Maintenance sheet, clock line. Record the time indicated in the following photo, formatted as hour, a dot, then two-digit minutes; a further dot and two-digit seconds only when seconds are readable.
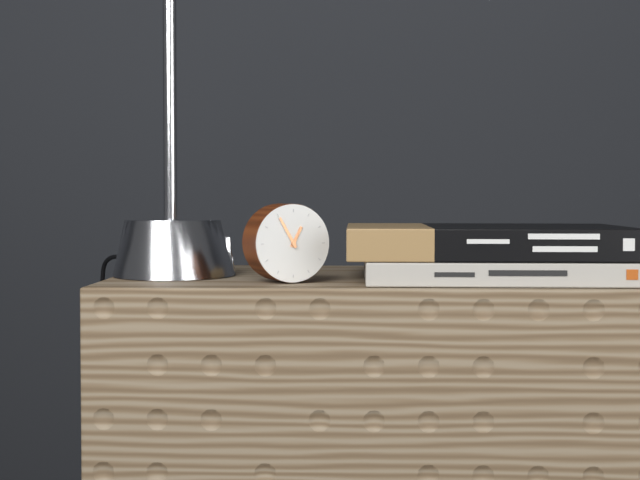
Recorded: 12.55
